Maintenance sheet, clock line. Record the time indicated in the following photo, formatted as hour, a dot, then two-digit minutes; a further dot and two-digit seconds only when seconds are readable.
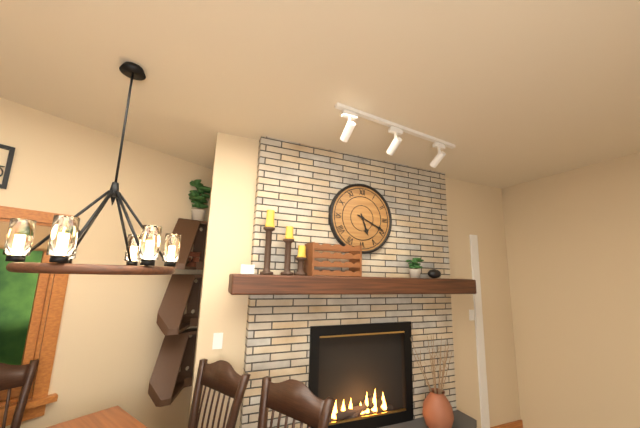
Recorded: 5.19
